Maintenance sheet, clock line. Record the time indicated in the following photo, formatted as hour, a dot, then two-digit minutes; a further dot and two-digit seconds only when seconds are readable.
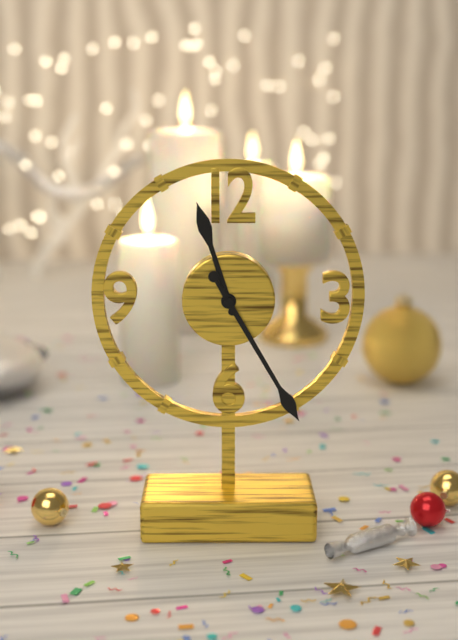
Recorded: 11.25
